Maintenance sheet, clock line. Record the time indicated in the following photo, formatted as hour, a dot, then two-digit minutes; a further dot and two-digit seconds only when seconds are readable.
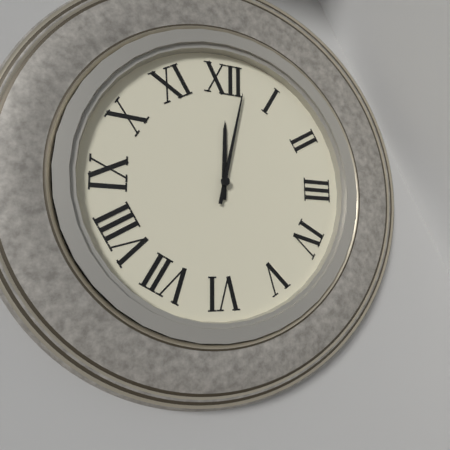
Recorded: 12.02
